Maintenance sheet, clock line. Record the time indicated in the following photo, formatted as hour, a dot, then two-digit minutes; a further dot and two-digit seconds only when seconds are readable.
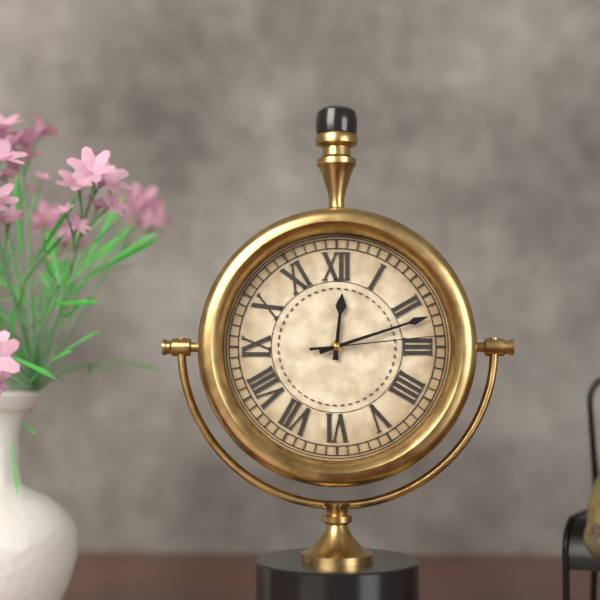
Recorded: 12.12.14
